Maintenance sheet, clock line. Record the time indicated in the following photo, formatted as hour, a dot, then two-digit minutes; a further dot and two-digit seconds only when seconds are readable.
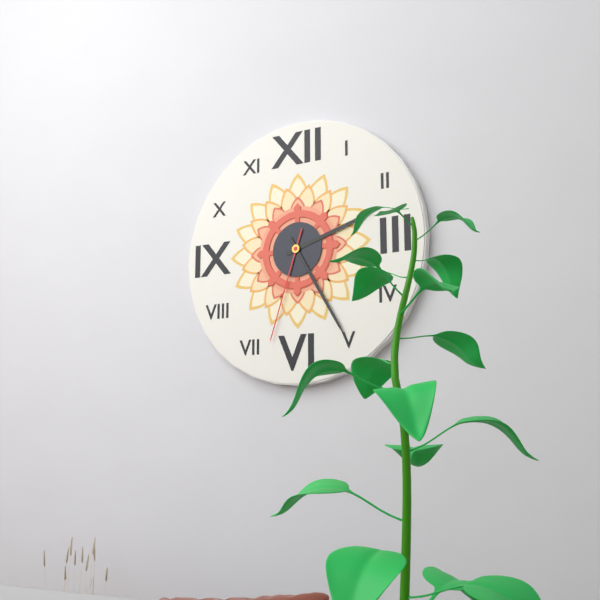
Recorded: 2.25.33
